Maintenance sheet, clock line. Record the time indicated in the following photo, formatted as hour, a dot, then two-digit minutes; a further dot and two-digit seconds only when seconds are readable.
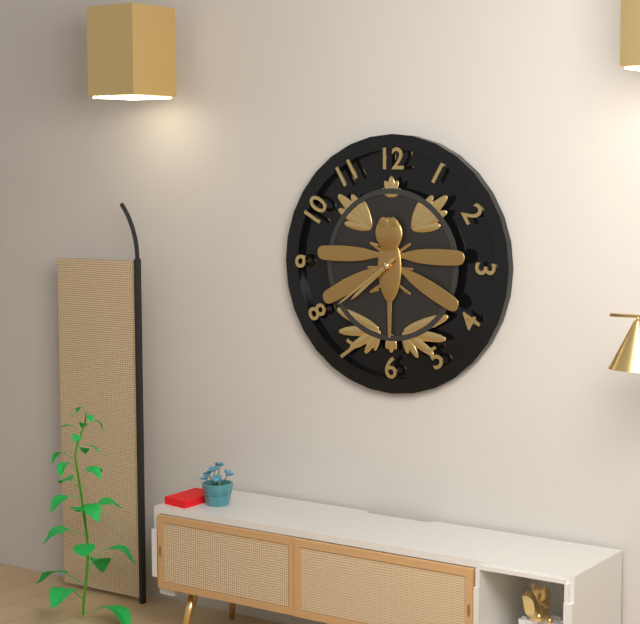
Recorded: 7.39
